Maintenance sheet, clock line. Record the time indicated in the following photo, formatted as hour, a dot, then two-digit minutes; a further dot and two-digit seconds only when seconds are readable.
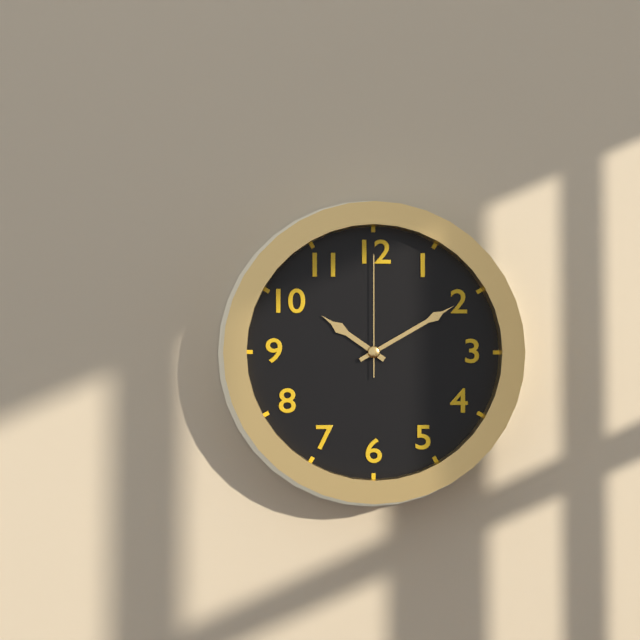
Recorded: 10.10.00
